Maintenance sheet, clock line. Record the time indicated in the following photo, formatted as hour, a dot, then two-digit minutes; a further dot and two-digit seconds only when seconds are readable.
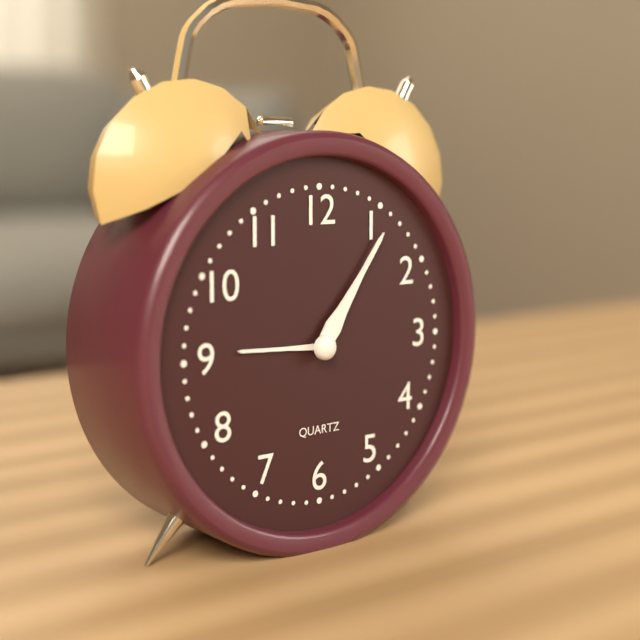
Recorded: 9.06
